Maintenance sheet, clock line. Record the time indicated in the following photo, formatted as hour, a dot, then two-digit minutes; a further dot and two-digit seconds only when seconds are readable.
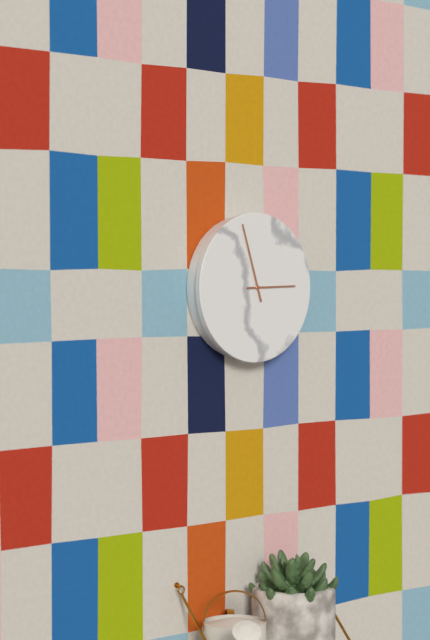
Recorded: 2.57
